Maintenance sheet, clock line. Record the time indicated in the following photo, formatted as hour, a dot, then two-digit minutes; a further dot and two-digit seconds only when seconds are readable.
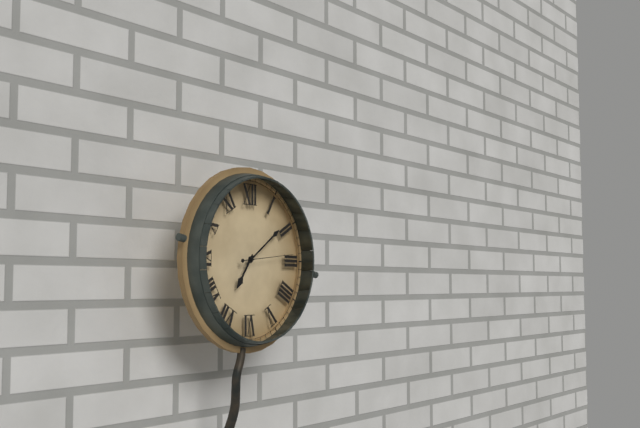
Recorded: 7.09.14
